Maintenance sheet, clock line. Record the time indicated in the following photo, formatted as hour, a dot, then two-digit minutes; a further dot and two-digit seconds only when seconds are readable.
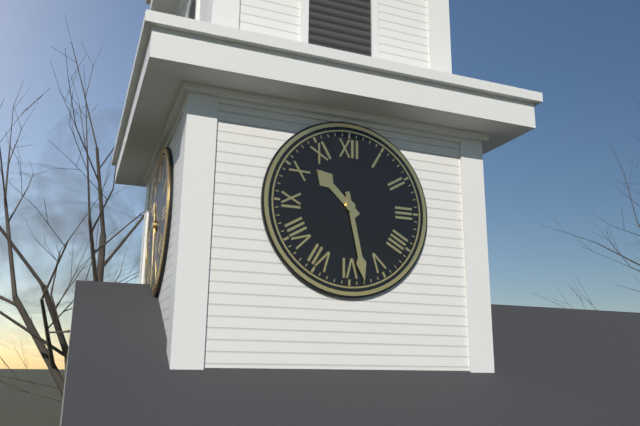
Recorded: 10.28
